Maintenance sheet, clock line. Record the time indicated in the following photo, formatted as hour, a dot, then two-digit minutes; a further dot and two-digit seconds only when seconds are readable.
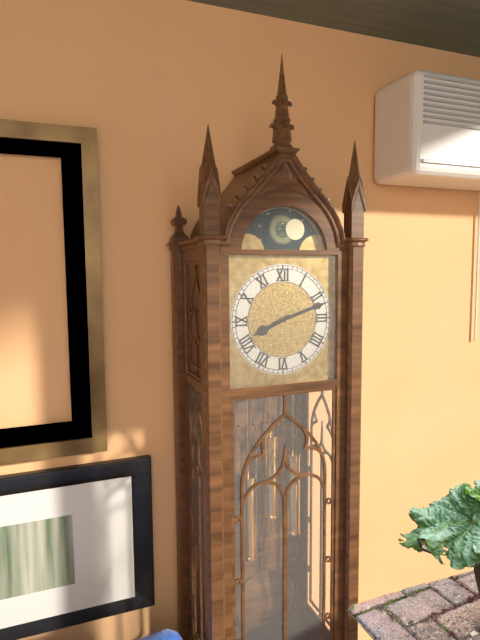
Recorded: 8.12
